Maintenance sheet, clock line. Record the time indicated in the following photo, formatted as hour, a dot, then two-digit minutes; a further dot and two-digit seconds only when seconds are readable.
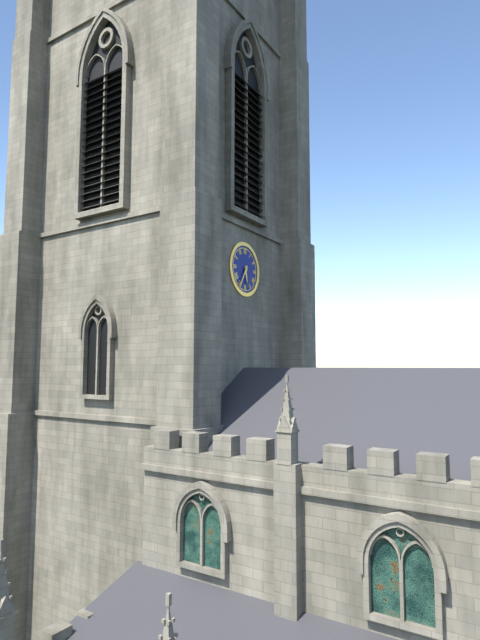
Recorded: 5.35
